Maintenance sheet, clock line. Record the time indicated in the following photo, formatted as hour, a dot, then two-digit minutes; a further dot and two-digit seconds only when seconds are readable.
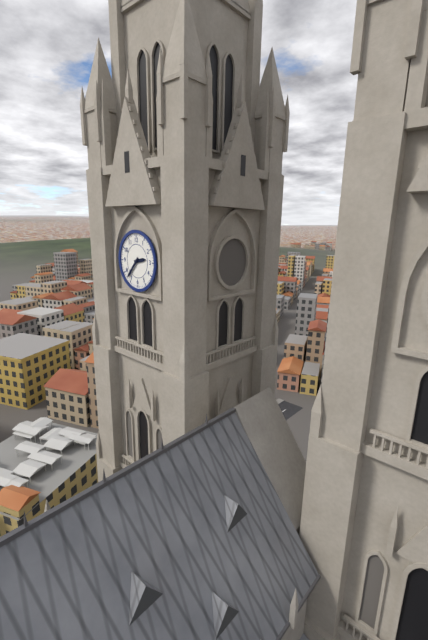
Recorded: 2.37
